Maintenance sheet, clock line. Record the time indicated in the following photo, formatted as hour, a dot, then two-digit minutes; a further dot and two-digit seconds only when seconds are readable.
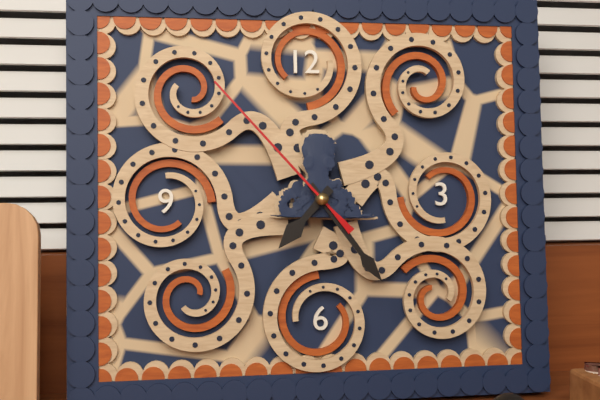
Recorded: 7.24.53
